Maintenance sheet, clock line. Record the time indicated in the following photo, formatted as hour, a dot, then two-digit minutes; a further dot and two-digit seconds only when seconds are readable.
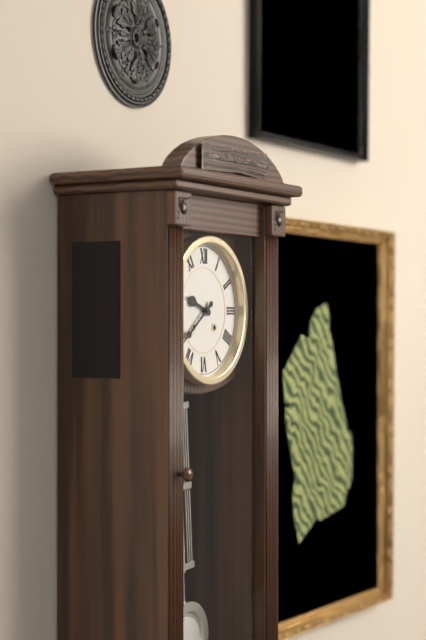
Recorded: 9.39
